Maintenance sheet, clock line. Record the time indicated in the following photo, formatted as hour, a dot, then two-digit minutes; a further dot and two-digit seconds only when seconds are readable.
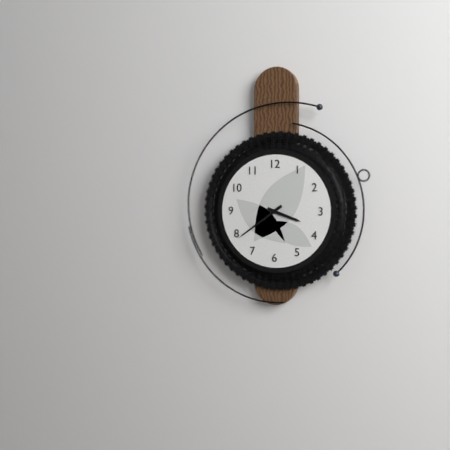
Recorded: 3.39
